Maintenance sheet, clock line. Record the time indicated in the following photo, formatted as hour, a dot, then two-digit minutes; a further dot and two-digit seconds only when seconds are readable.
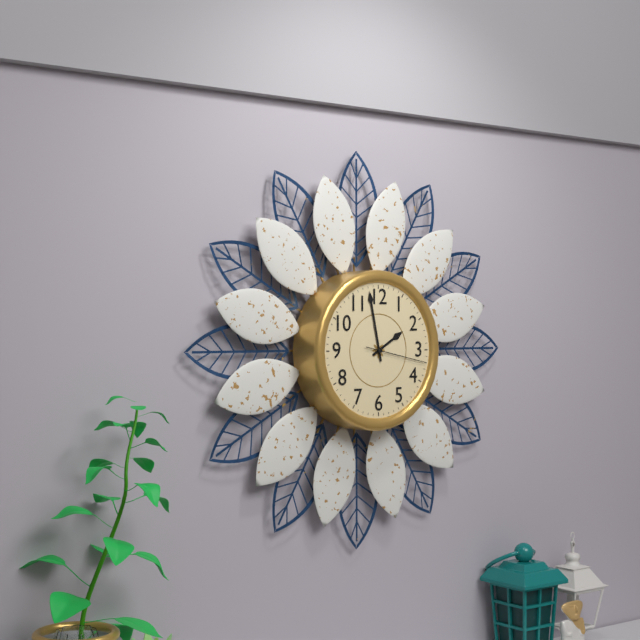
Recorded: 1.58.17
